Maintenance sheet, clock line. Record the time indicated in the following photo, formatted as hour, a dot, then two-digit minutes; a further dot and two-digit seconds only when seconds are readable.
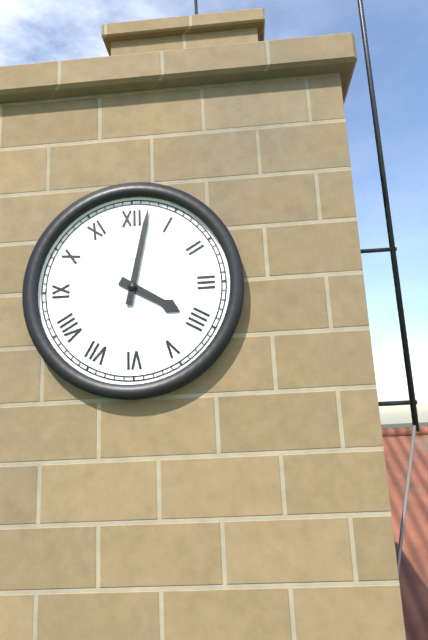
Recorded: 4.02
